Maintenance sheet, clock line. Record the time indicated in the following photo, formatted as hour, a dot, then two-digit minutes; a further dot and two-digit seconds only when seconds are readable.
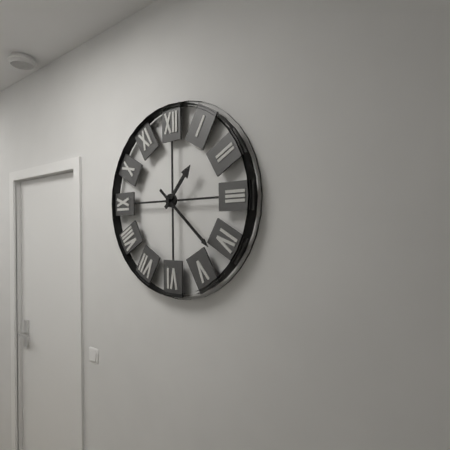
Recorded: 1.22
